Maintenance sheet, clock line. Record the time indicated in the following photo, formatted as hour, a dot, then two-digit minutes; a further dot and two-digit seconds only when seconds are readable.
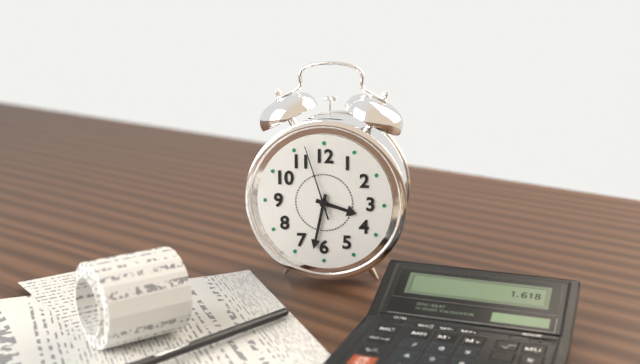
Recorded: 3.32.57
